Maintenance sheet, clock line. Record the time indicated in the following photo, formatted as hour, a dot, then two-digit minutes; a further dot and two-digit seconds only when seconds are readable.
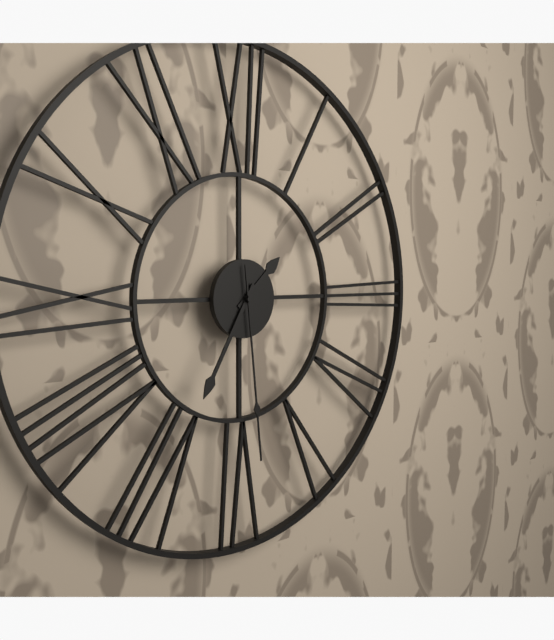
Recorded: 1.35.29
